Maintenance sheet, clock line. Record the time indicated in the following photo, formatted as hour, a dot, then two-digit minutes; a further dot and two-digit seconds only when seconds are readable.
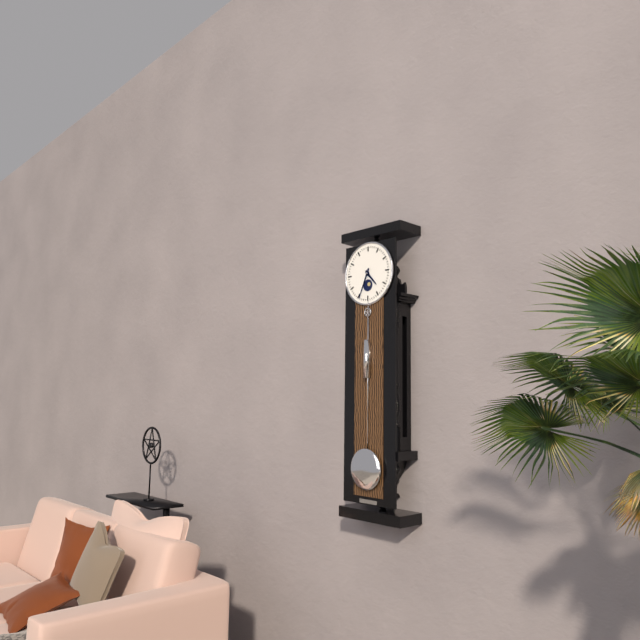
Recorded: 4.34
